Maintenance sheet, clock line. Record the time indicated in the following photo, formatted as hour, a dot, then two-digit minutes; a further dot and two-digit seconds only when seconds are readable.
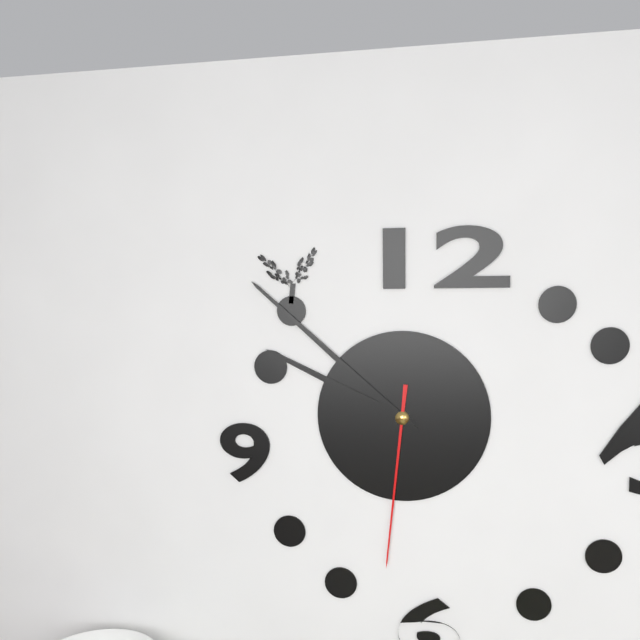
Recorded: 9.52.31
